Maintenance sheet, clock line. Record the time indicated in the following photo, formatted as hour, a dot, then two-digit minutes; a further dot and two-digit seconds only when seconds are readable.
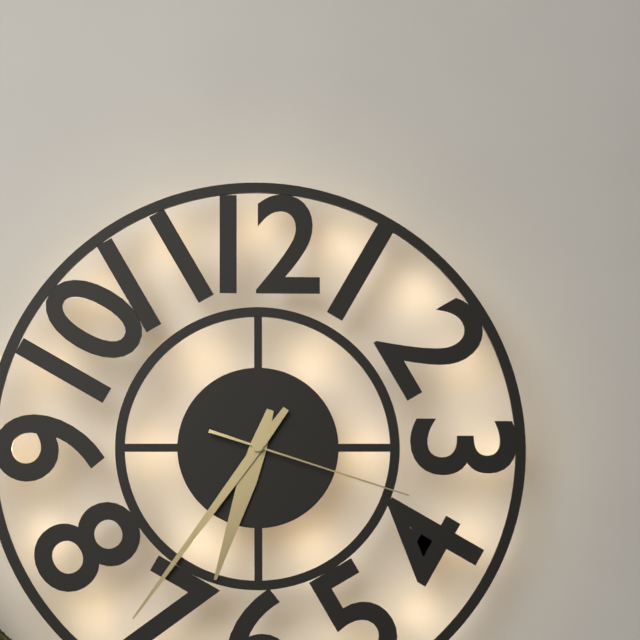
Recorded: 6.36.18
